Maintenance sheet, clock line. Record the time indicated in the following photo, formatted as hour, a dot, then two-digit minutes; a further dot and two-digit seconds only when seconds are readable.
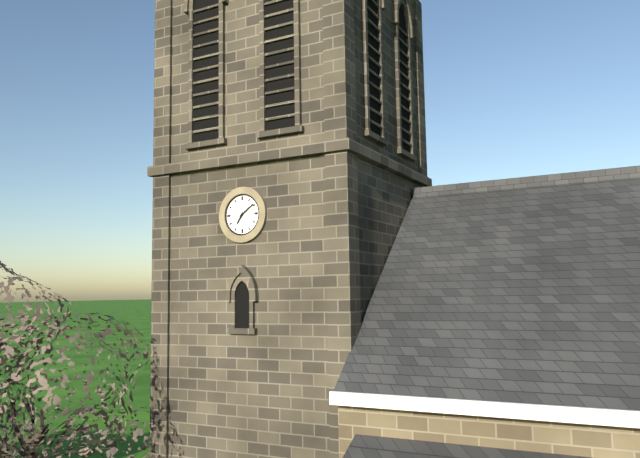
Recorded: 7.09
